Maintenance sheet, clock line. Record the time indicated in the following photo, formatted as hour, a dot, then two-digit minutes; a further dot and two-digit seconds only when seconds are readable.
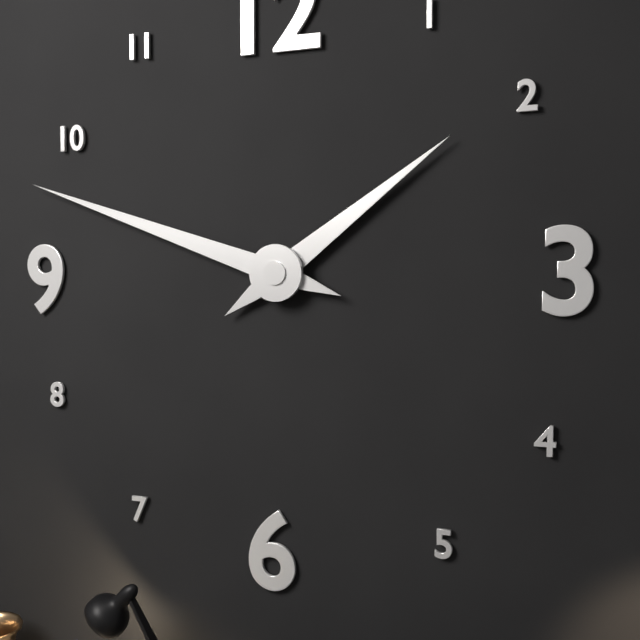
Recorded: 1.48
